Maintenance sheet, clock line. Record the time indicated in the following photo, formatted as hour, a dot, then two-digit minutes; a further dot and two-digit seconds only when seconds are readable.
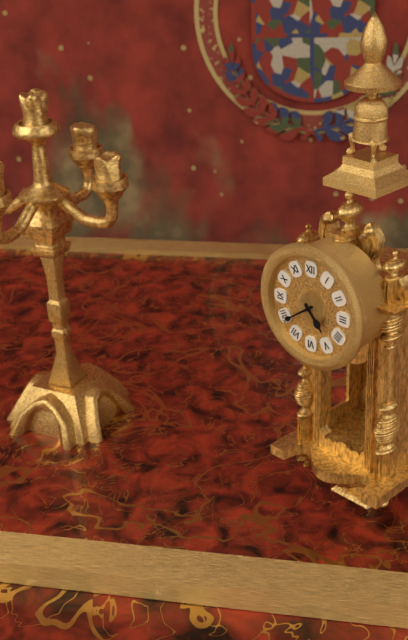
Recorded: 4.39
